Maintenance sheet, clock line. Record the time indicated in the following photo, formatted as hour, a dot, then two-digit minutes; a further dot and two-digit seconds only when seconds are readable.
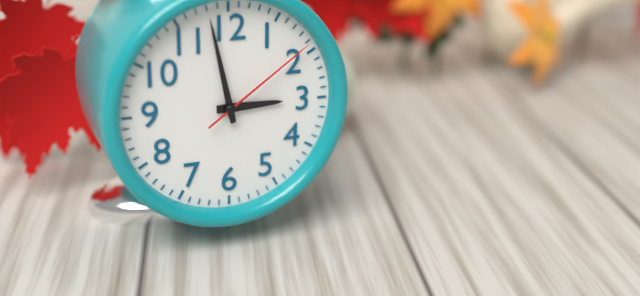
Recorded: 2.58.09
